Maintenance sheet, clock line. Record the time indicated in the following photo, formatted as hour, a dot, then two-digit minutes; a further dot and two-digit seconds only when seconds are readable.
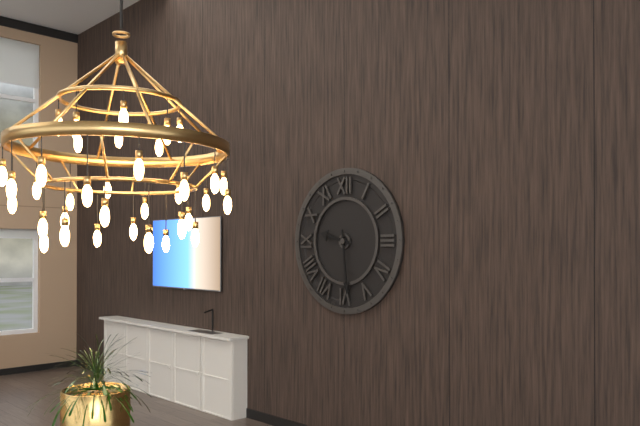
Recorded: 9.29
